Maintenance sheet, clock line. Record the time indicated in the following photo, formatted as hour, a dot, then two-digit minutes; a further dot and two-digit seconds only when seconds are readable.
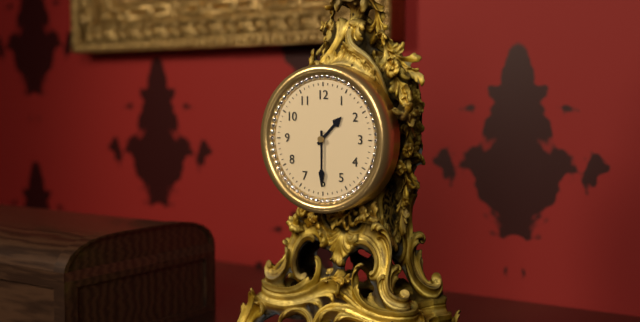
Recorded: 1.30
